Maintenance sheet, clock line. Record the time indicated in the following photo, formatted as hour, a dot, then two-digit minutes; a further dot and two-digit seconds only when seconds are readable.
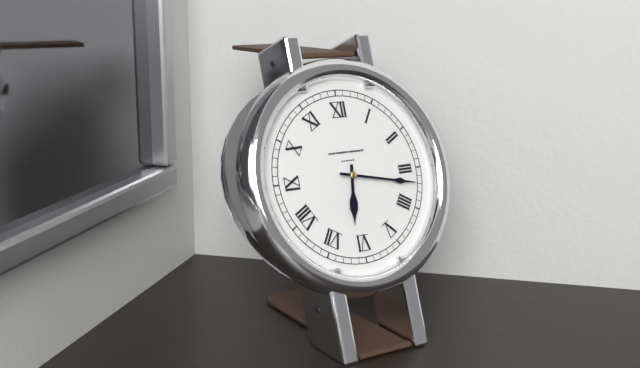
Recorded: 6.17
